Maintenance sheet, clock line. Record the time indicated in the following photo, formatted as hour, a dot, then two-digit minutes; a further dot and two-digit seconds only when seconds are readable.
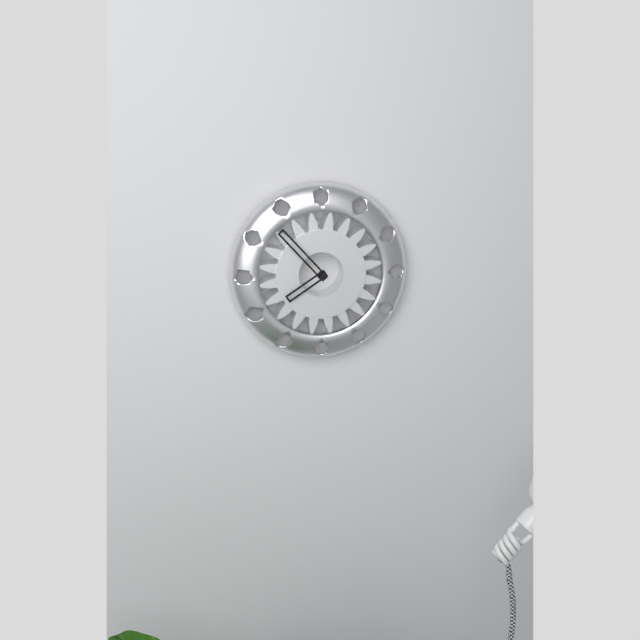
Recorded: 7.53
